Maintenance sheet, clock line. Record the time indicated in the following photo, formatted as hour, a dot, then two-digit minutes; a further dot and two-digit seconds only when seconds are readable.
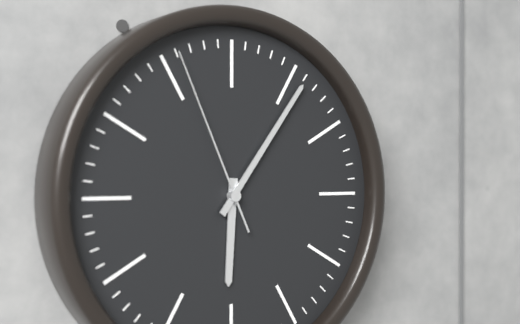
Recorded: 6.06.56
